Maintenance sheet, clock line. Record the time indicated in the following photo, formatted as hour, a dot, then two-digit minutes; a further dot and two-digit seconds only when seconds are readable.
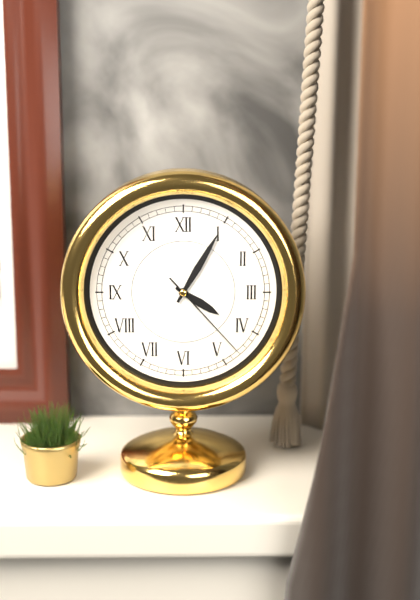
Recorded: 4.05.23
